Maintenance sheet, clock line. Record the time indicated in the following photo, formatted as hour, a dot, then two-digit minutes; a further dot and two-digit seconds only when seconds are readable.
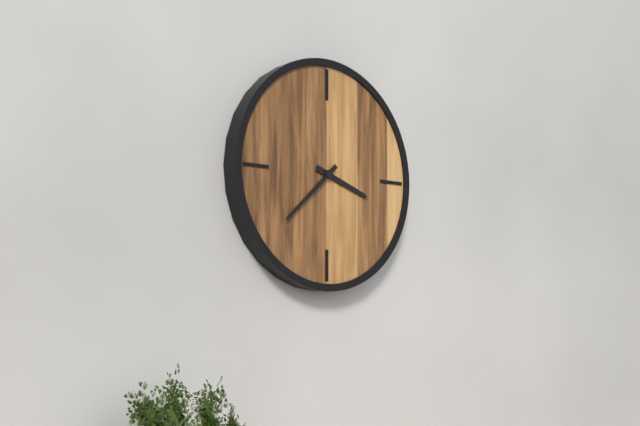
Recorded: 3.38
